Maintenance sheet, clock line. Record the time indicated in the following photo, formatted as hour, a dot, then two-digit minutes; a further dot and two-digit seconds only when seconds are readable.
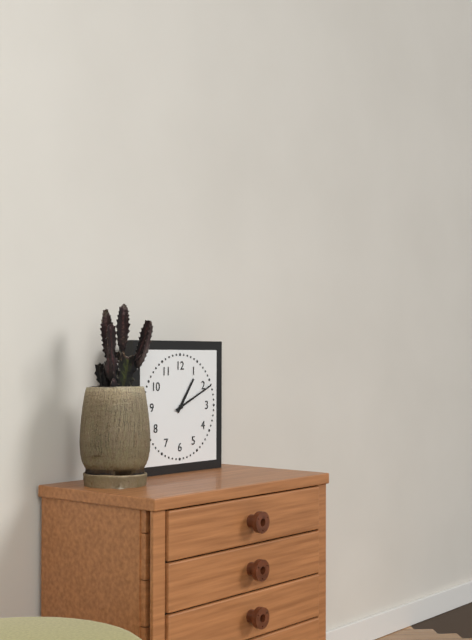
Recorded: 1.11
